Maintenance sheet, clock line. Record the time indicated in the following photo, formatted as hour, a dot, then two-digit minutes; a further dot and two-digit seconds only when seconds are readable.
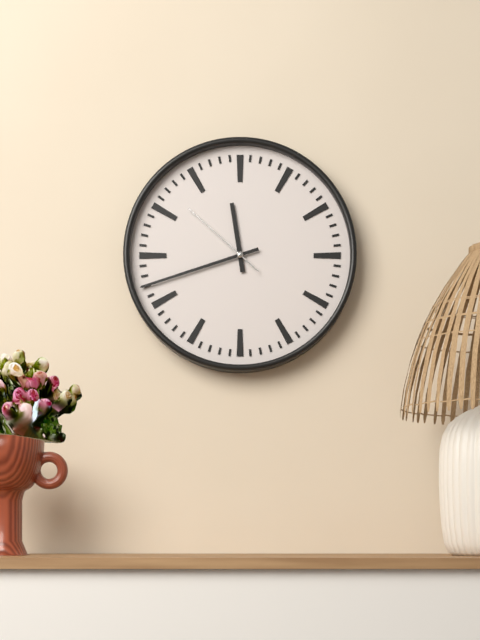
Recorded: 11.42.52
